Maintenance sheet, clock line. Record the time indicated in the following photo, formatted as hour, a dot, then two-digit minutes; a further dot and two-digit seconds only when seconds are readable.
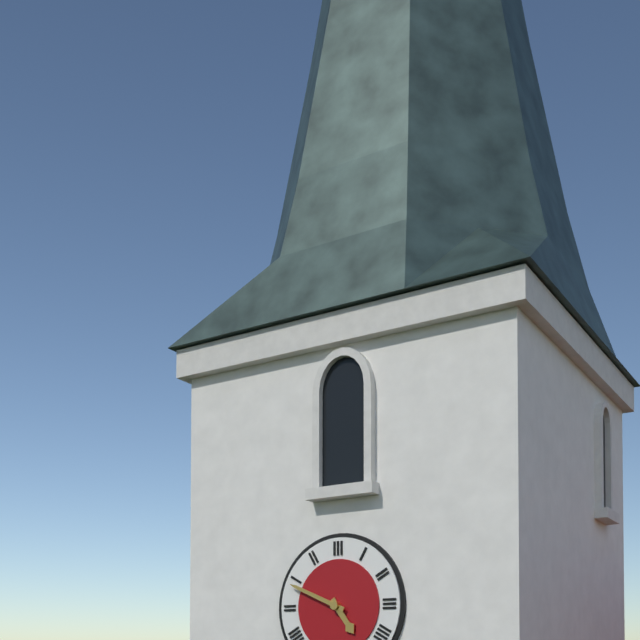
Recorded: 4.49
